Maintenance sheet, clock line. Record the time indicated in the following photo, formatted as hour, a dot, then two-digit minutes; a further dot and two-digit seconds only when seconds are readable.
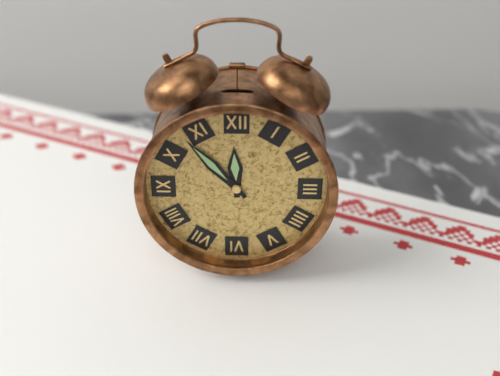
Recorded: 11.53
